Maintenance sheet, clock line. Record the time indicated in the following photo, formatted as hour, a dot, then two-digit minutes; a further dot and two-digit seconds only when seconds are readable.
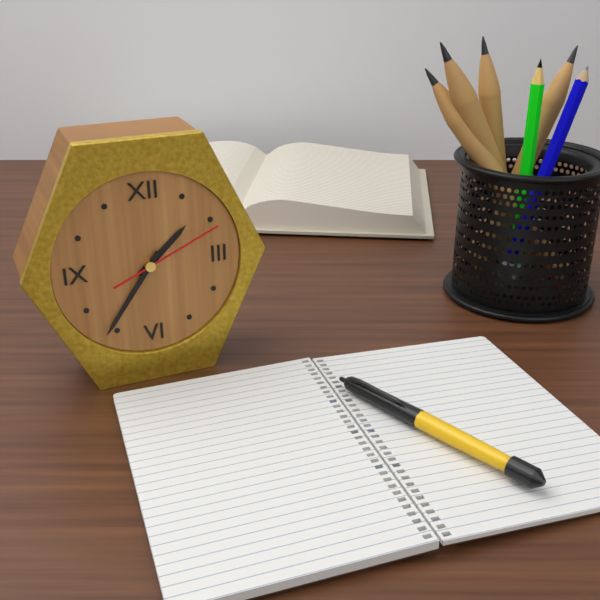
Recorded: 1.36.11
